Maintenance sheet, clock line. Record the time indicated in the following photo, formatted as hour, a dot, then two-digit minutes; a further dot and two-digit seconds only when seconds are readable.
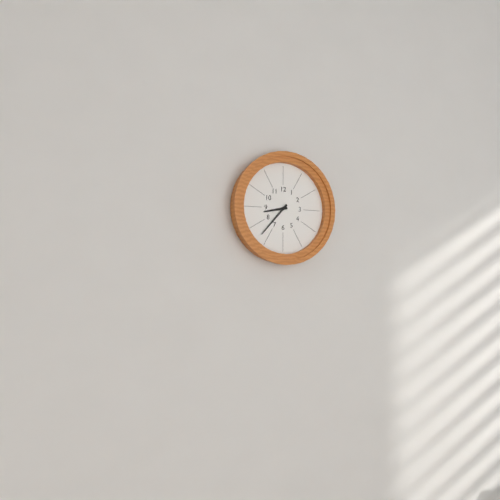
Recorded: 8.37
